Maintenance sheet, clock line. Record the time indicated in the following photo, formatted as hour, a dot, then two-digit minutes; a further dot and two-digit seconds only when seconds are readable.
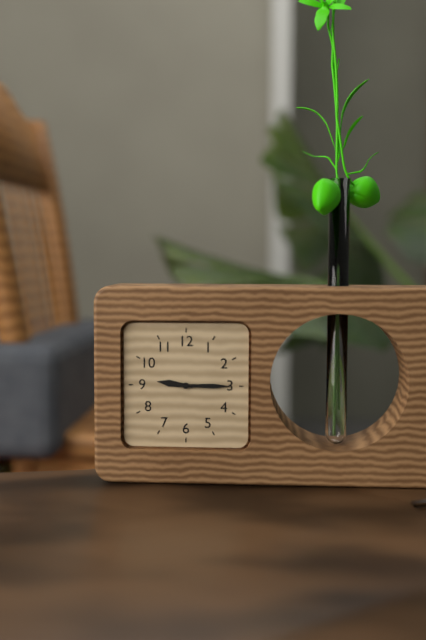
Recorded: 9.15
